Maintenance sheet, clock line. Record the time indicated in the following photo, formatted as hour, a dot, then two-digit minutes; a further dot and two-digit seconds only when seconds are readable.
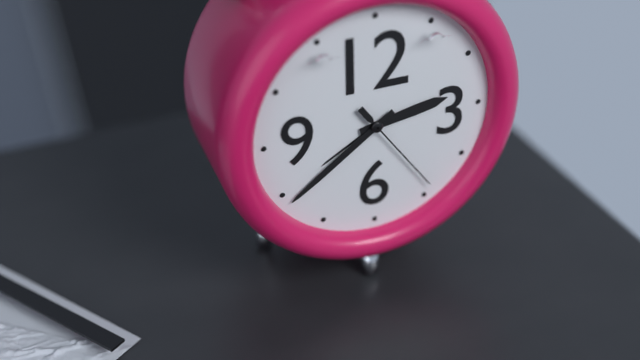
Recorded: 2.39.24
